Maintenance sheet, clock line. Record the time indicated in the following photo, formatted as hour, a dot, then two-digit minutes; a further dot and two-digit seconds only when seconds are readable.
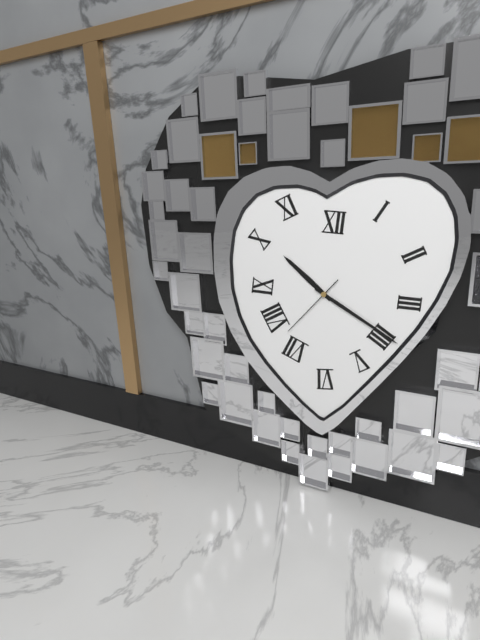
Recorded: 10.20.37
